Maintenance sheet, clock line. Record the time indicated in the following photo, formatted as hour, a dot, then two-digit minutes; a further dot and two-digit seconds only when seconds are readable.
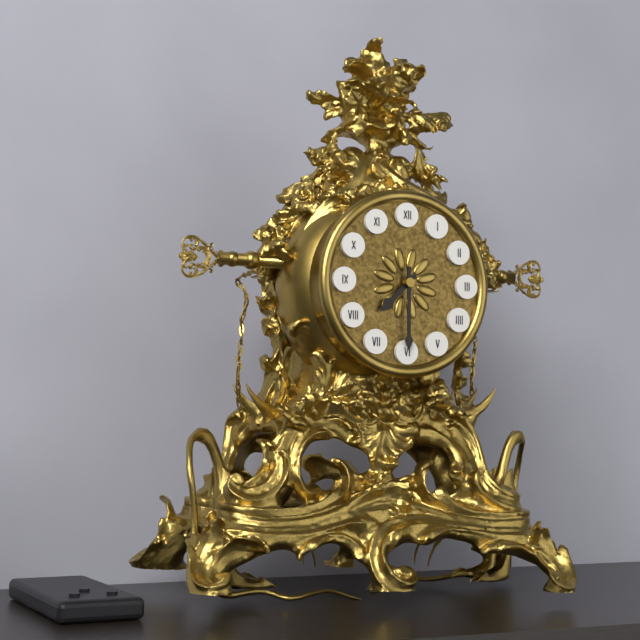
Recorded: 7.30
